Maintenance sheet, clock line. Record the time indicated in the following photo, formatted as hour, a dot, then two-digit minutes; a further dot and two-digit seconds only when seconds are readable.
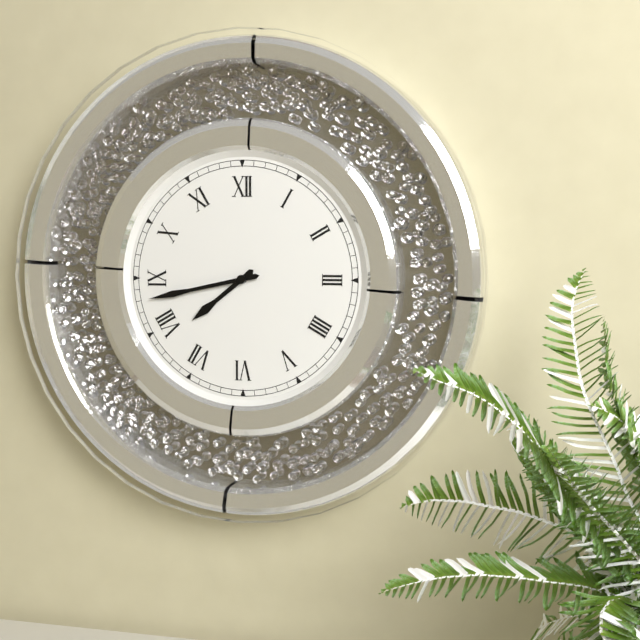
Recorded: 7.43
